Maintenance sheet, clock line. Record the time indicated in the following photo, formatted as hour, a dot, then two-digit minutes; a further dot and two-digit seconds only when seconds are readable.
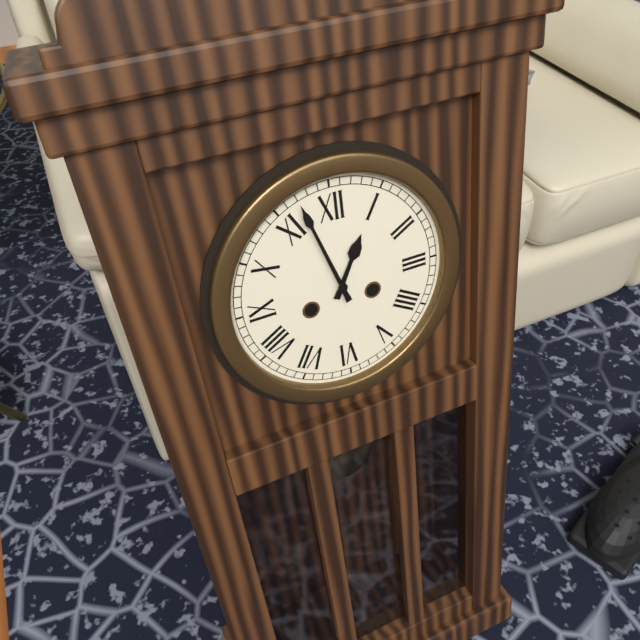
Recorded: 12.57
